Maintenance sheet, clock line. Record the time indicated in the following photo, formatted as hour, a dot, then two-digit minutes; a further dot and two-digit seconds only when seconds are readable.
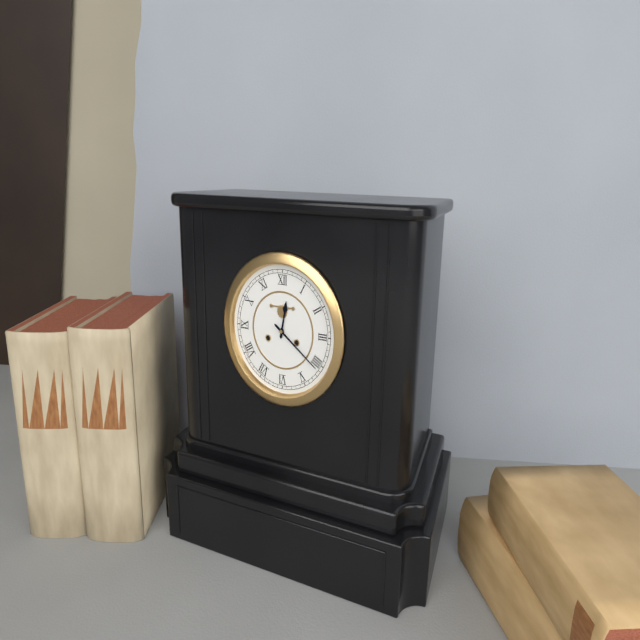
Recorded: 12.21
